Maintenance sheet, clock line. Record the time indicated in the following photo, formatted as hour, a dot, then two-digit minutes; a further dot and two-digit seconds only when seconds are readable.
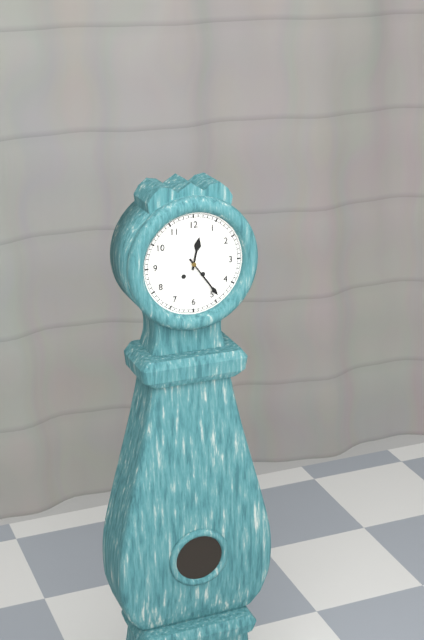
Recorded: 12.24
